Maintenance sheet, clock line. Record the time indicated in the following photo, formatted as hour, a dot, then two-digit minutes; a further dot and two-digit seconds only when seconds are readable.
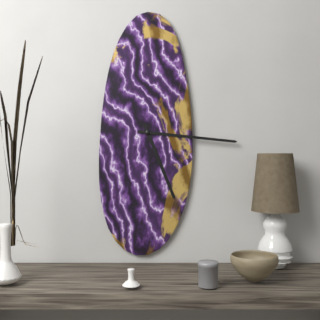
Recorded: 5.16
